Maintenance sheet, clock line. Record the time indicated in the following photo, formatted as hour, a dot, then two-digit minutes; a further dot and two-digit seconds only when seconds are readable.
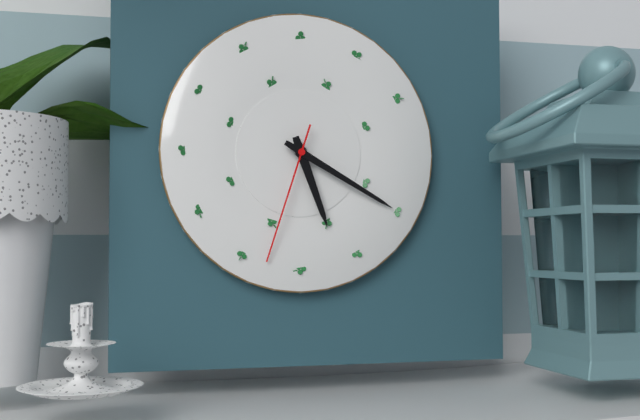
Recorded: 5.20.33
